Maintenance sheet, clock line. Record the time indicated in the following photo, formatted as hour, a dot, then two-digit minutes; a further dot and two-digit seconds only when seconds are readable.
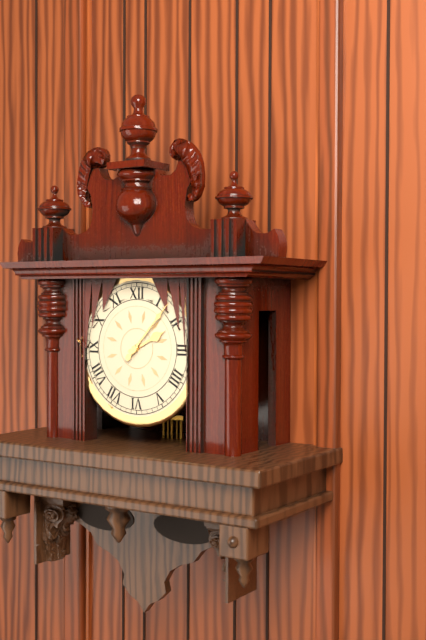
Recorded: 2.07
